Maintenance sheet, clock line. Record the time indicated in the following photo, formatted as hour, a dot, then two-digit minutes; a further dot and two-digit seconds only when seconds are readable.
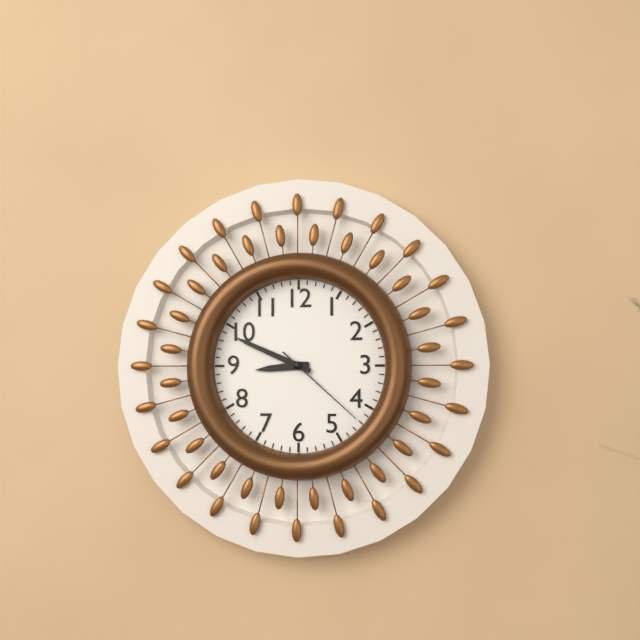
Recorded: 8.49.22
